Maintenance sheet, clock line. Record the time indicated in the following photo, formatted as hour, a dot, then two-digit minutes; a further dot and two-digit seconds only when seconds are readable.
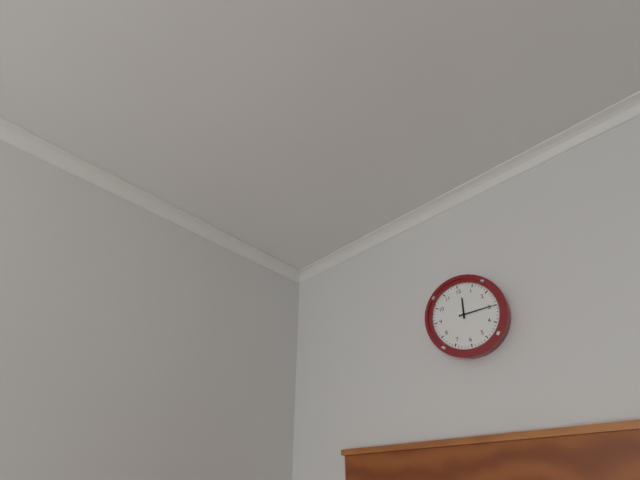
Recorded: 12.15
